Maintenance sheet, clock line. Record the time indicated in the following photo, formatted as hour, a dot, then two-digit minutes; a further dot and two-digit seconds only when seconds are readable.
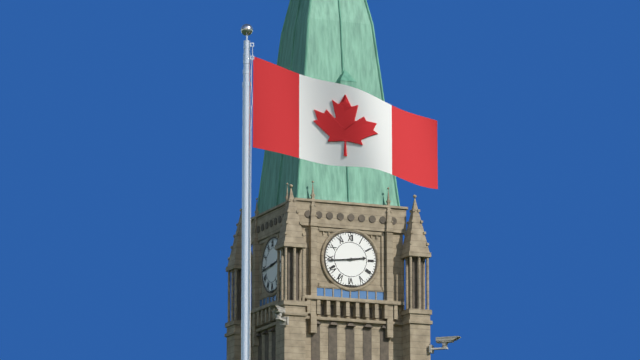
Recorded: 2.44
